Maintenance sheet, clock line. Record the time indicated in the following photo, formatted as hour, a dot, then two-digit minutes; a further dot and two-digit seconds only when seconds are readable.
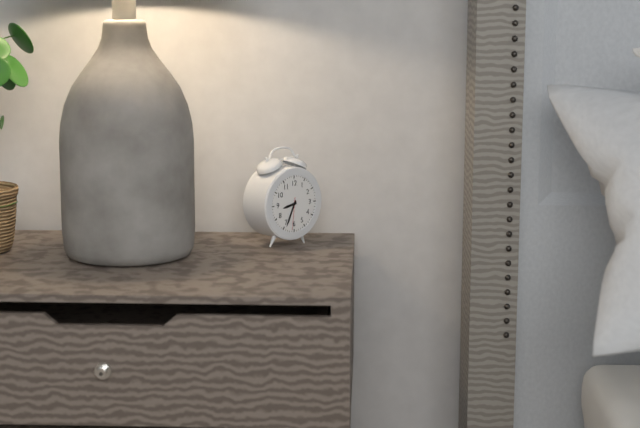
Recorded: 8.34
